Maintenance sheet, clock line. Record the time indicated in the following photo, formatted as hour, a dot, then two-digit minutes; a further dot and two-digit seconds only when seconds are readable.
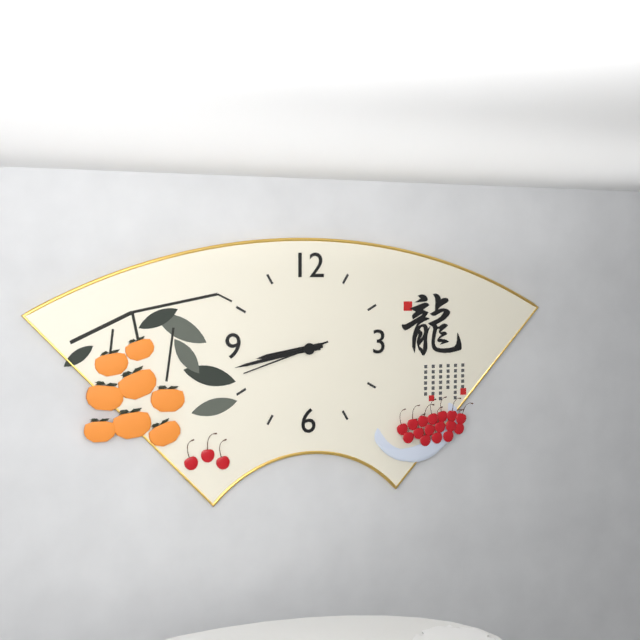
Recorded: 8.43.42
